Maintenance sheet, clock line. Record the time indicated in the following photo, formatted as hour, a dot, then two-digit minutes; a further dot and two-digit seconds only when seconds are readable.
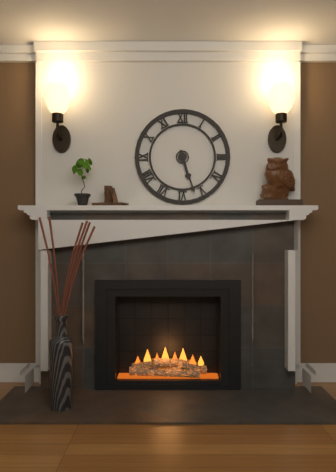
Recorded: 5.27
